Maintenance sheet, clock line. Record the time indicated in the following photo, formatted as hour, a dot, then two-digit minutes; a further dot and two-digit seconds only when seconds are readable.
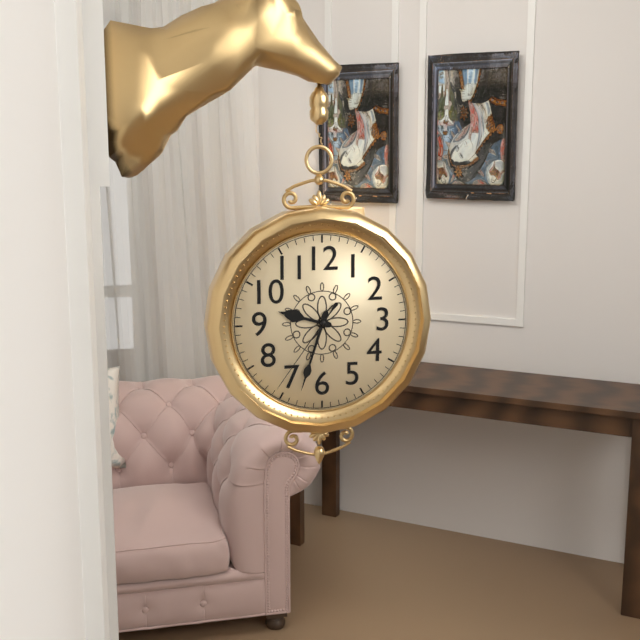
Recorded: 9.33.36
